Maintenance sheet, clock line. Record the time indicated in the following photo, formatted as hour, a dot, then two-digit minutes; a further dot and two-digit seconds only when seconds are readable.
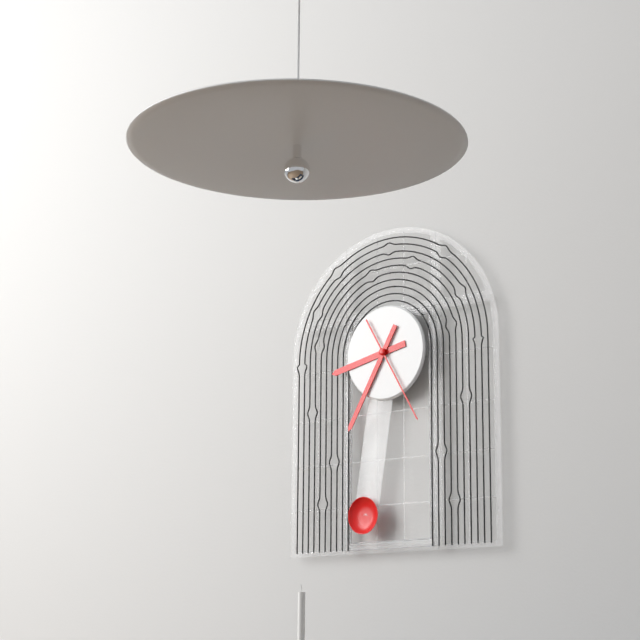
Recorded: 8.35.25
